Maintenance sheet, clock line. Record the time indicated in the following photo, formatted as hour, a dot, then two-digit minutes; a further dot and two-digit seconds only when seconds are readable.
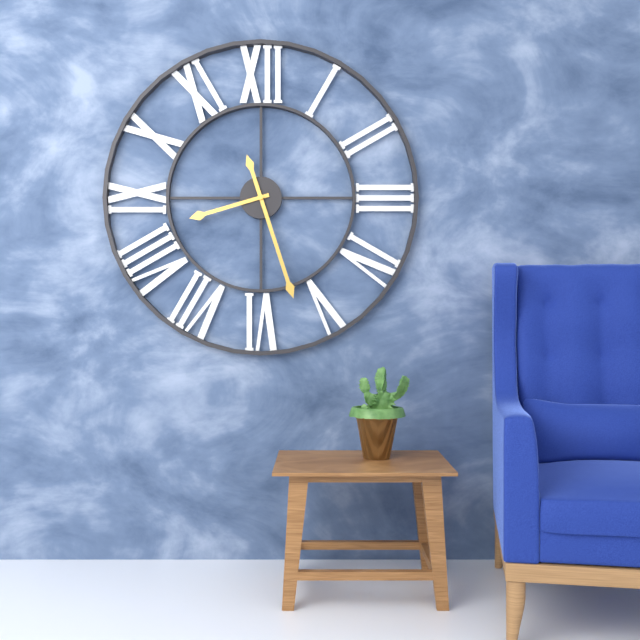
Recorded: 8.27
